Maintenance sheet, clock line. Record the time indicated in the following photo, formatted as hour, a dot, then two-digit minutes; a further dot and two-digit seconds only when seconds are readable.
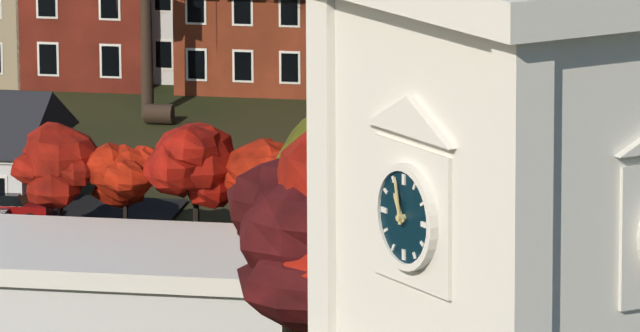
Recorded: 10.58
